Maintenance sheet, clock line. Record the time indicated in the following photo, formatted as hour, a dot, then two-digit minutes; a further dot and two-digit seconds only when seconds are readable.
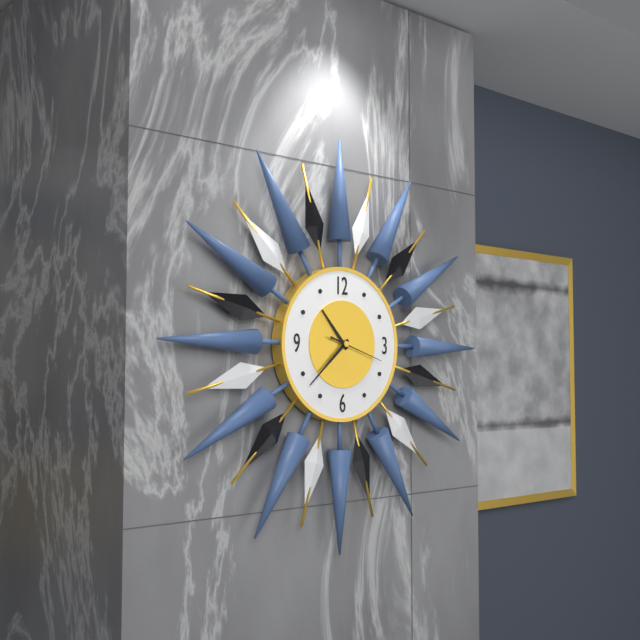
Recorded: 10.38
